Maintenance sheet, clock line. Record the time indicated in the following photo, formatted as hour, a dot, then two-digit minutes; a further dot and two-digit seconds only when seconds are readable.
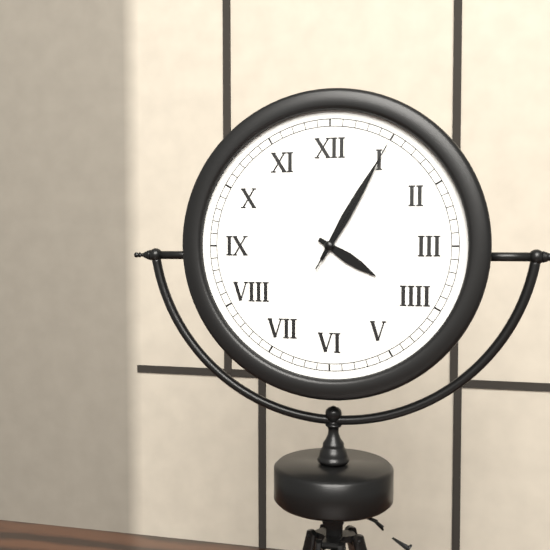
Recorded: 4.05.05
